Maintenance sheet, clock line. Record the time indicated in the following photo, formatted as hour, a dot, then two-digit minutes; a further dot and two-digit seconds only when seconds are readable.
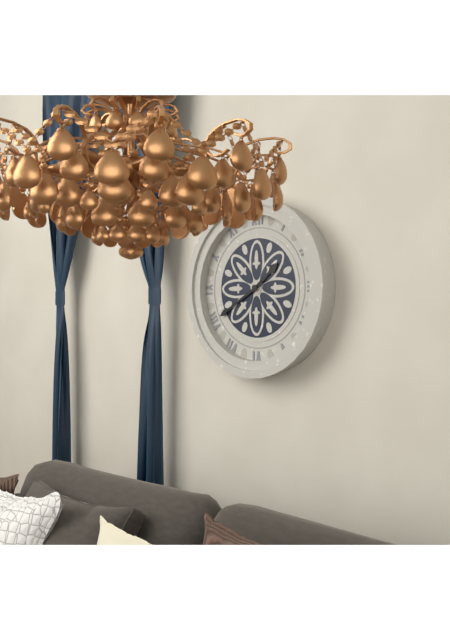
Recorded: 1.40
